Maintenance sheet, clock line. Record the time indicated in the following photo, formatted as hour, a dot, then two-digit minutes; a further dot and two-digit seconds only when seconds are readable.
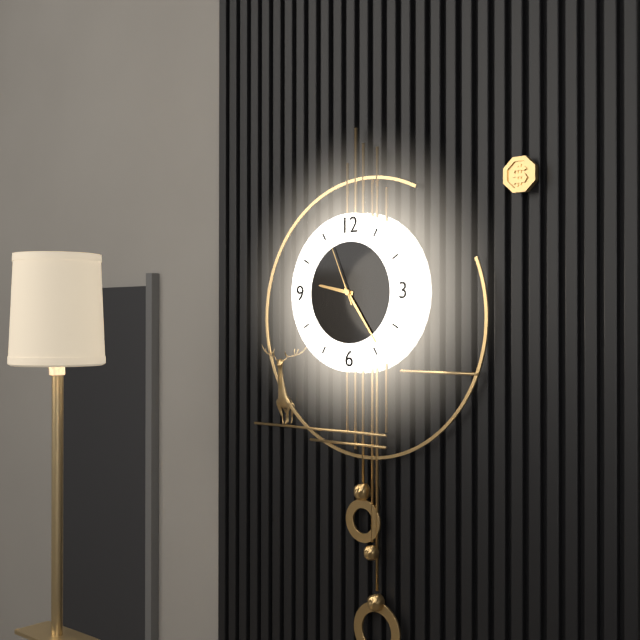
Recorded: 9.24.56
